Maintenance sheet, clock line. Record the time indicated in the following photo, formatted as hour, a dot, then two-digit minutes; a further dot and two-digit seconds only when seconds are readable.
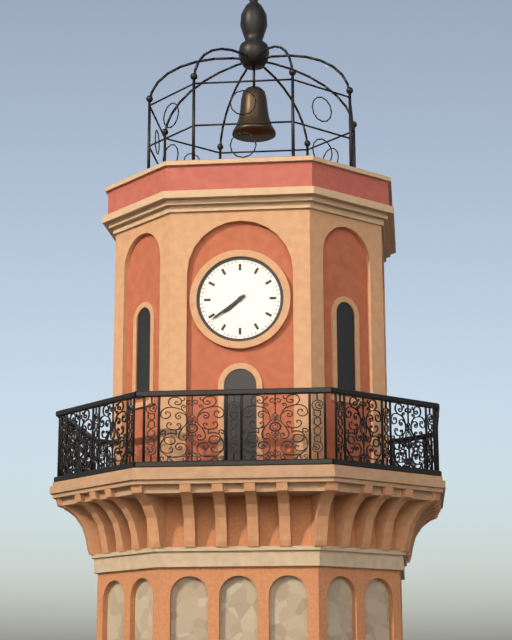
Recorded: 7.39
